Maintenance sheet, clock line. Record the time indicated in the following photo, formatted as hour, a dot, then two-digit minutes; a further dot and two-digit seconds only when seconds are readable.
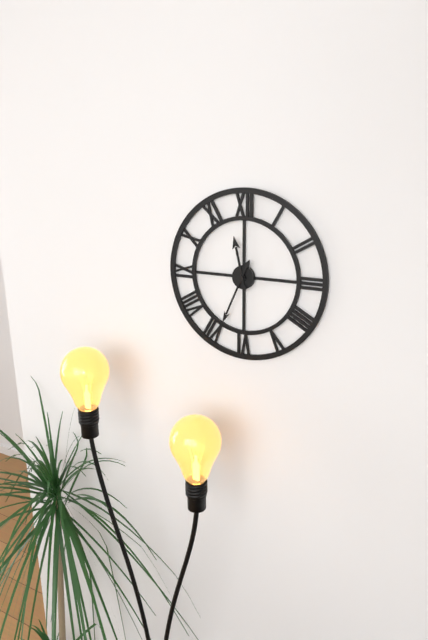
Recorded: 11.34
